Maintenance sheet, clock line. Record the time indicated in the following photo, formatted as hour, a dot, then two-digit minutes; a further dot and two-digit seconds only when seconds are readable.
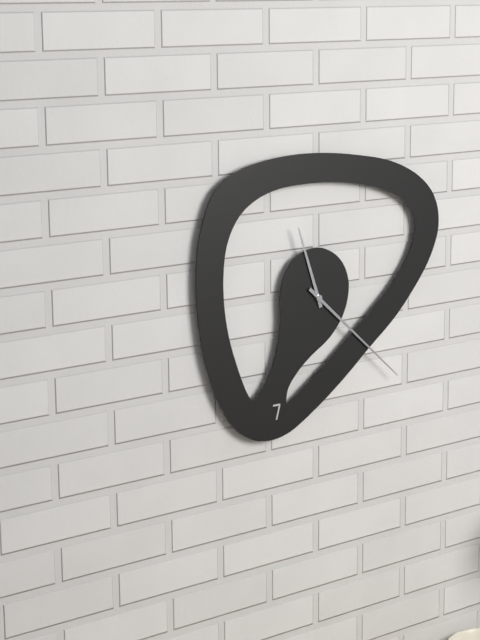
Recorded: 11.22
